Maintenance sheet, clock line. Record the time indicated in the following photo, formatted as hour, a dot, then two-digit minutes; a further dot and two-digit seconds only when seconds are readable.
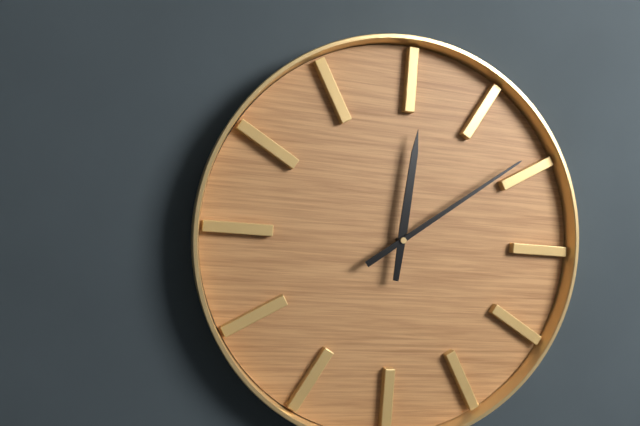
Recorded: 12.09
